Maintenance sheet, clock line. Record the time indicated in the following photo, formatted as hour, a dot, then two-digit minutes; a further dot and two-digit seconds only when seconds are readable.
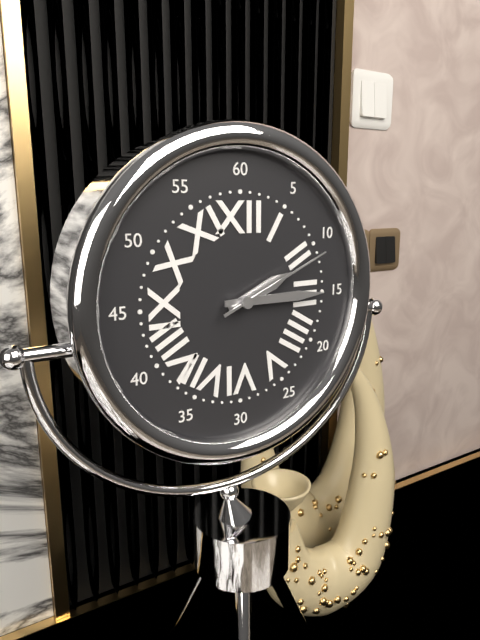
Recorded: 2.15.11
